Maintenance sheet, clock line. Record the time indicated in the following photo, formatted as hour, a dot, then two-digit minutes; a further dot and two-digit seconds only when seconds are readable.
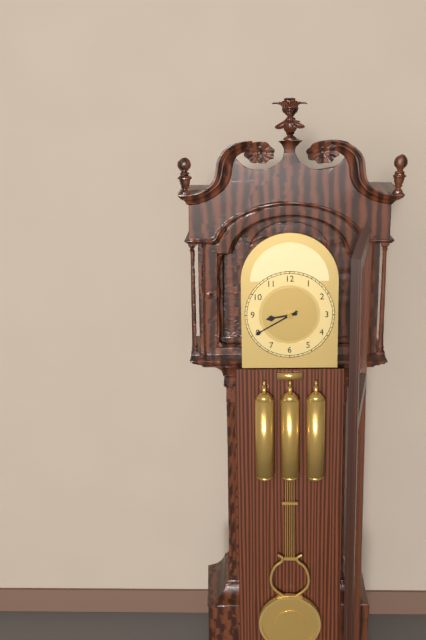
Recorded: 8.40
